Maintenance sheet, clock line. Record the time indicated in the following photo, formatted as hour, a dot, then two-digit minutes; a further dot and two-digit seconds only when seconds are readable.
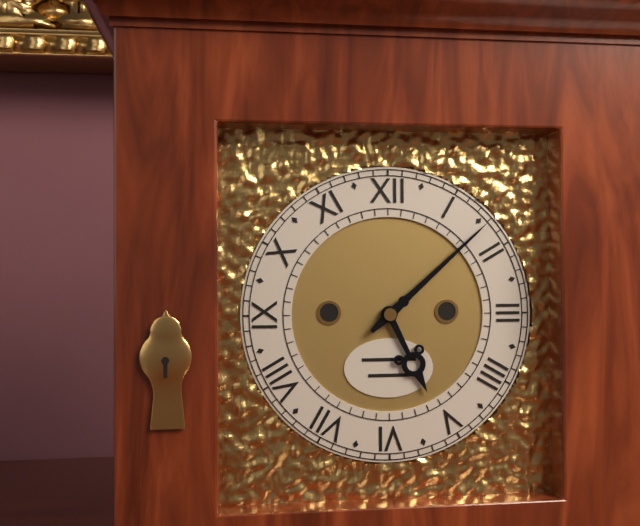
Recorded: 5.08
